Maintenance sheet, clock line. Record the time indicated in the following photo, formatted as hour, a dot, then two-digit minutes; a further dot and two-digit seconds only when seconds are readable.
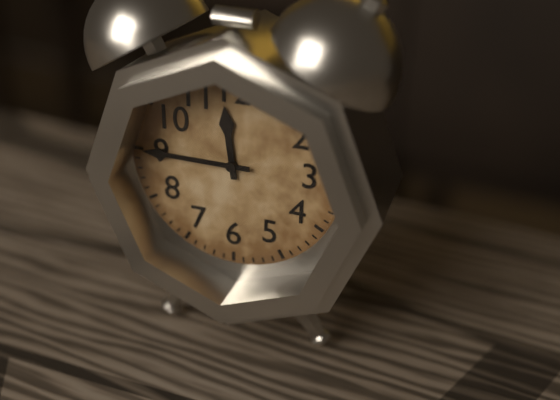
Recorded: 11.45
